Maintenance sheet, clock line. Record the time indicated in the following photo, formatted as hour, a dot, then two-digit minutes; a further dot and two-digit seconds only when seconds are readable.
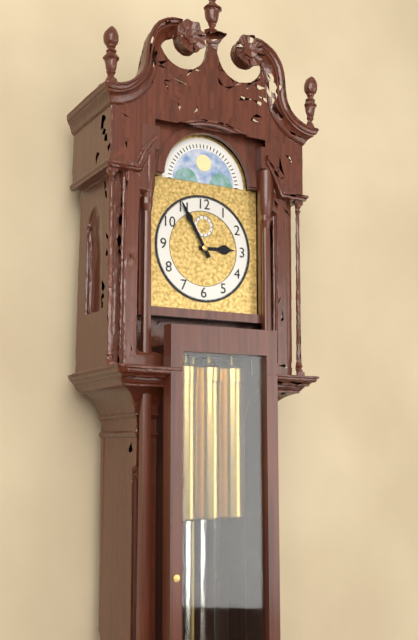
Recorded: 2.55
